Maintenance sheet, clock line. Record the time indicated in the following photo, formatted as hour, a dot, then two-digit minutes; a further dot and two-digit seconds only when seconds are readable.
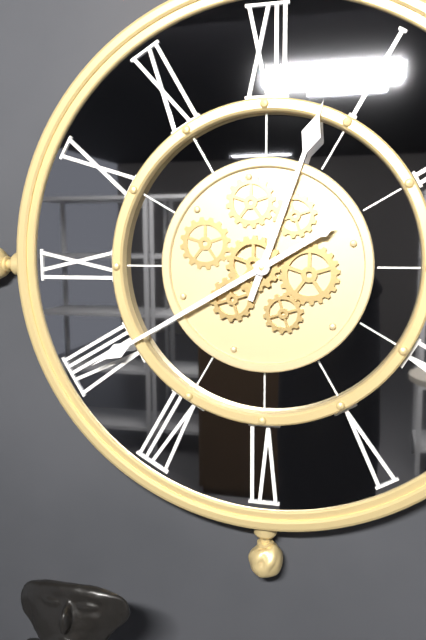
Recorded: 12.40
